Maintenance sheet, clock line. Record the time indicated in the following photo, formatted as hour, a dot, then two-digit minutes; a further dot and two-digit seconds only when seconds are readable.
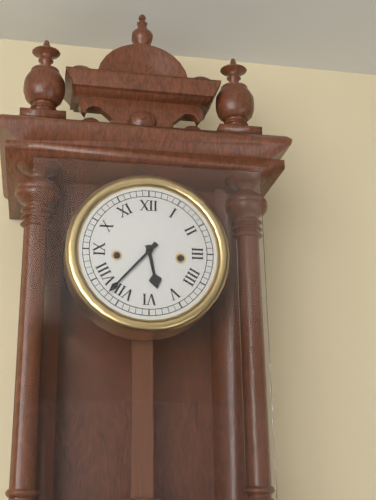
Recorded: 5.37
